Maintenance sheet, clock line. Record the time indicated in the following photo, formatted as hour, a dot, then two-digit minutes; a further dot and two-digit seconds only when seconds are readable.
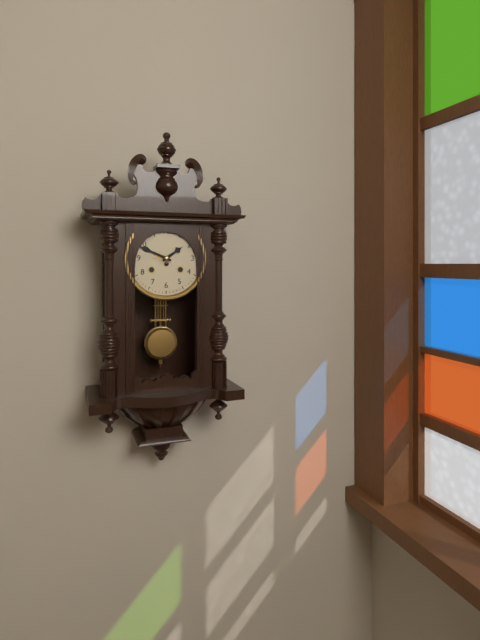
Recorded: 1.49
